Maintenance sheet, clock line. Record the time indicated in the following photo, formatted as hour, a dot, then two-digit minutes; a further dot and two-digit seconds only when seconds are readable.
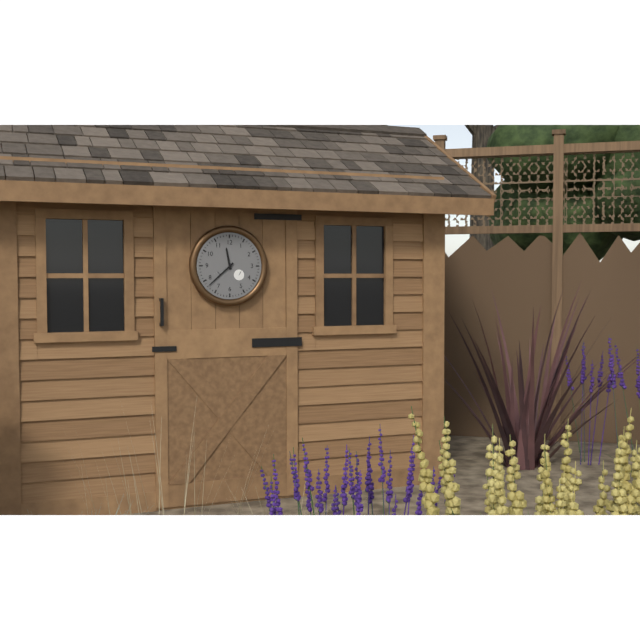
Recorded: 11.38
